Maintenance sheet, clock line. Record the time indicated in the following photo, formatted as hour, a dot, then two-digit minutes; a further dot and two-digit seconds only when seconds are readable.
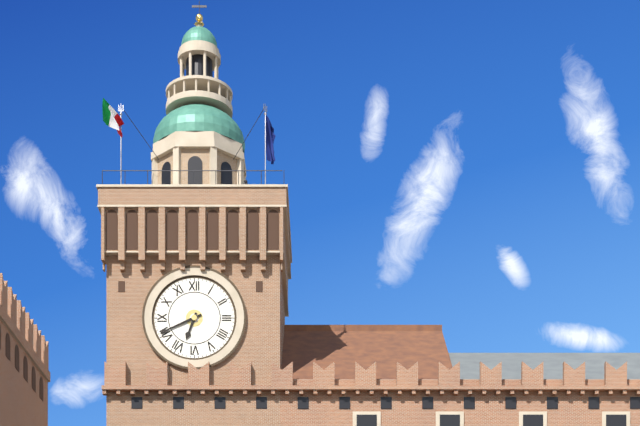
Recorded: 6.41
